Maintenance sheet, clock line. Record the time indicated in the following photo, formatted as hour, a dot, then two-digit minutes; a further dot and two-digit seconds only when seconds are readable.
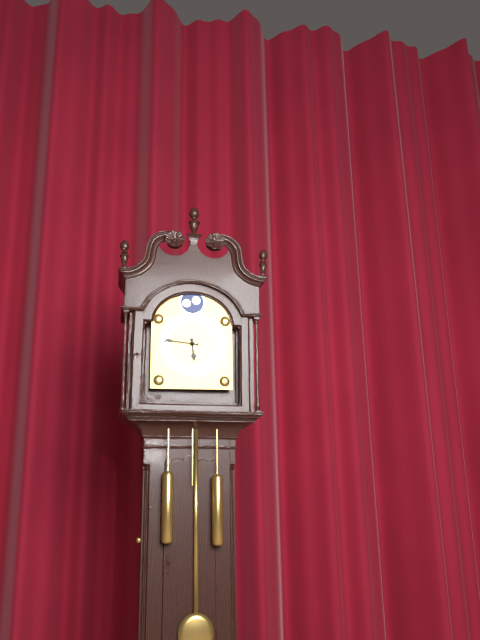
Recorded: 5.46
